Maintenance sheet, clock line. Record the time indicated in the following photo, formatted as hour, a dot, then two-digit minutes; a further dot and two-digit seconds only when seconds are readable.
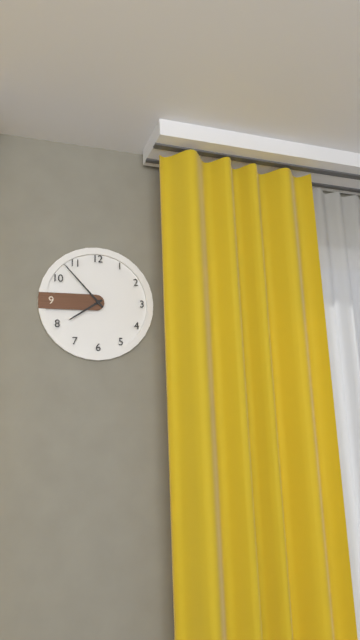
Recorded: 7.53
